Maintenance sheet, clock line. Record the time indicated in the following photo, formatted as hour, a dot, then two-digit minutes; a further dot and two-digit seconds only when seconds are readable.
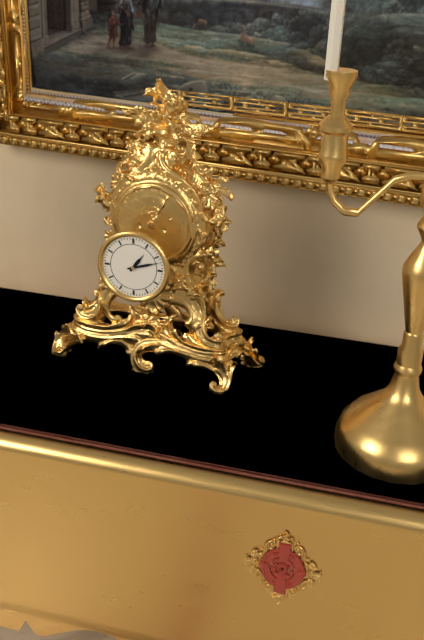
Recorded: 1.12
